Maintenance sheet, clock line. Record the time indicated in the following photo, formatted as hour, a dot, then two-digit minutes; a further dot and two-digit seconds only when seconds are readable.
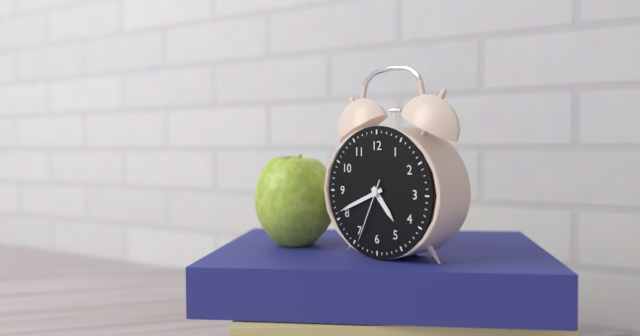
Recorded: 4.41.34
